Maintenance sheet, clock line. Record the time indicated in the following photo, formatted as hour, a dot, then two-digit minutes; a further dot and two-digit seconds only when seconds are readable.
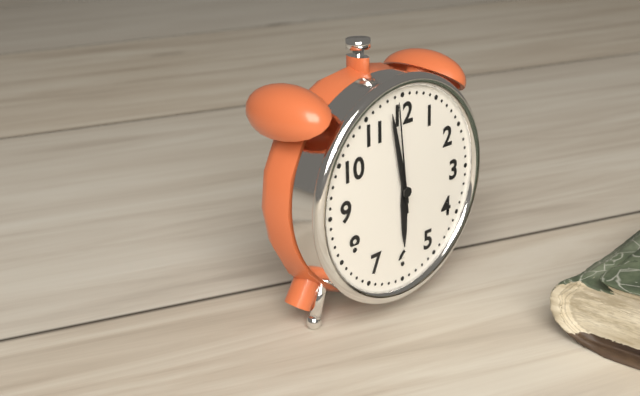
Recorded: 5.58.59
